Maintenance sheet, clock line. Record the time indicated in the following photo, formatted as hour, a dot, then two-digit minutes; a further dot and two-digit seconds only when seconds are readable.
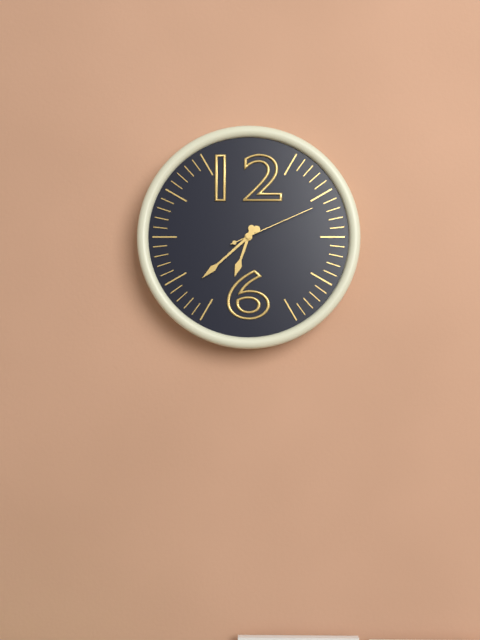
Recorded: 6.38.11
